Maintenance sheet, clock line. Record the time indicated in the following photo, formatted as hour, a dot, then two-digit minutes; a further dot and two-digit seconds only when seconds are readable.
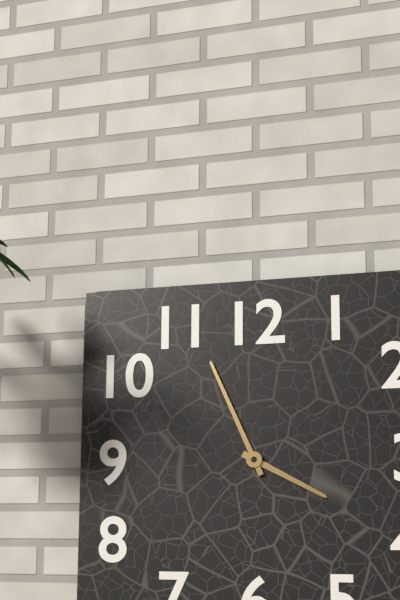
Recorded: 3.56
